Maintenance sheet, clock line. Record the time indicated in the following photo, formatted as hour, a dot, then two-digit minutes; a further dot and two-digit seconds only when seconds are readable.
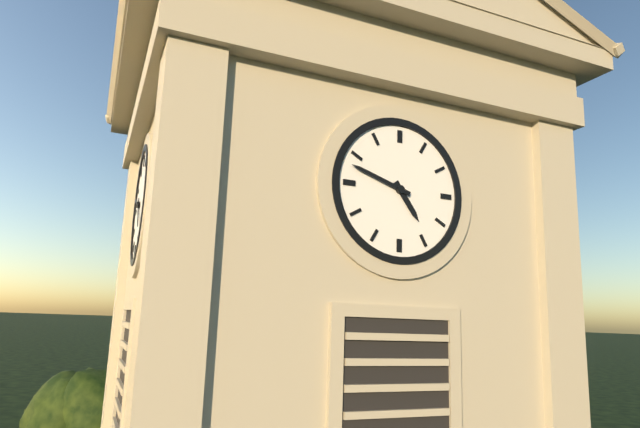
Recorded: 4.48
